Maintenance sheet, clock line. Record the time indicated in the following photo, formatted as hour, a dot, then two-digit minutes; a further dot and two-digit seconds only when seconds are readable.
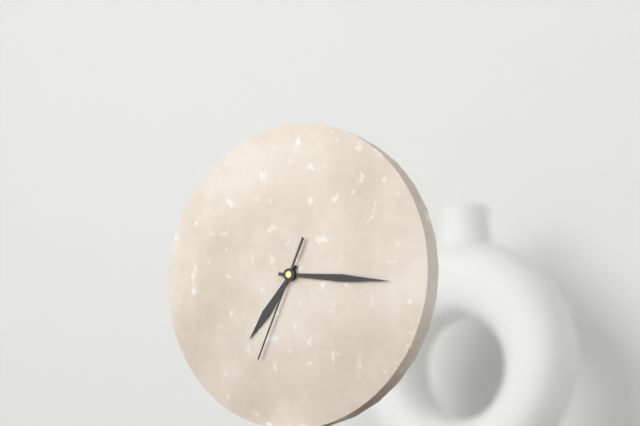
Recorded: 7.16.34
